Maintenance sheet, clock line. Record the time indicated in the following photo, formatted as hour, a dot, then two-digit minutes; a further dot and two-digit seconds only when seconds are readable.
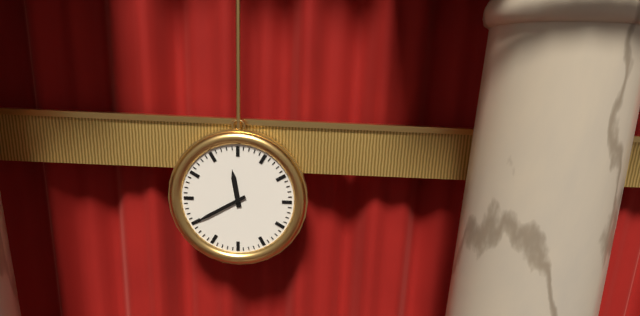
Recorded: 11.40
